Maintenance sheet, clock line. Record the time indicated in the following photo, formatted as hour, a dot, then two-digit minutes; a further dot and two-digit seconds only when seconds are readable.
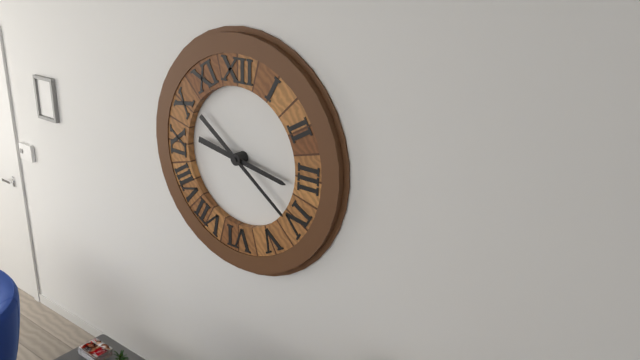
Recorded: 3.21
